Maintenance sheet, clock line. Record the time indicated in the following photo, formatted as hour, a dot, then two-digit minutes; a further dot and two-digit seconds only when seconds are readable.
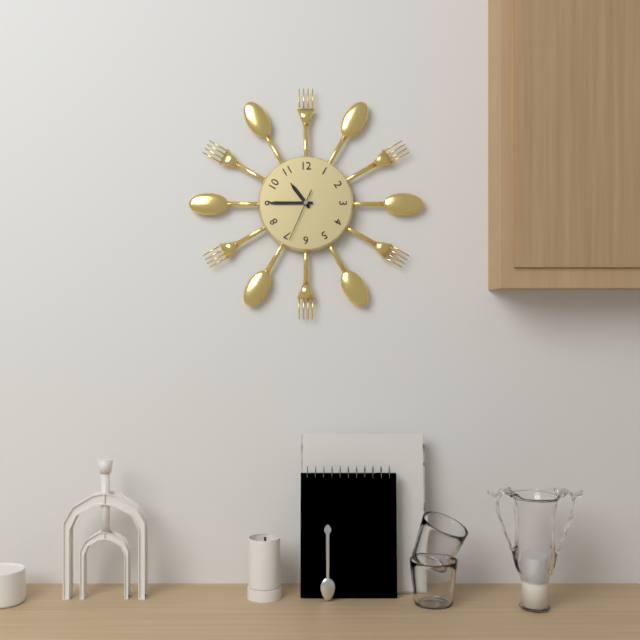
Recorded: 10.45.34
